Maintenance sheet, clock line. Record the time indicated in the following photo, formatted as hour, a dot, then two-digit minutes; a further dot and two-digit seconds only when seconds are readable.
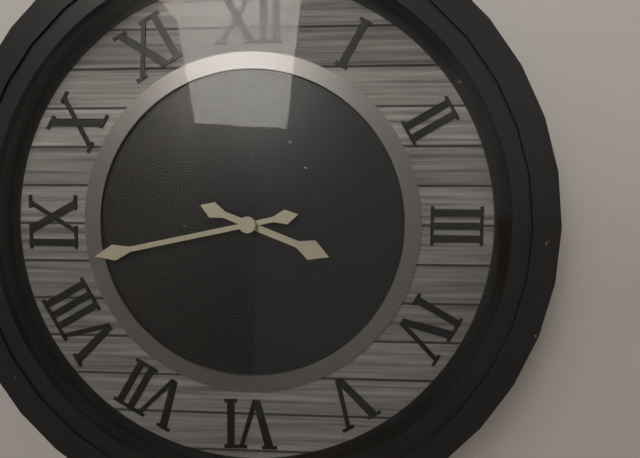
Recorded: 3.43
